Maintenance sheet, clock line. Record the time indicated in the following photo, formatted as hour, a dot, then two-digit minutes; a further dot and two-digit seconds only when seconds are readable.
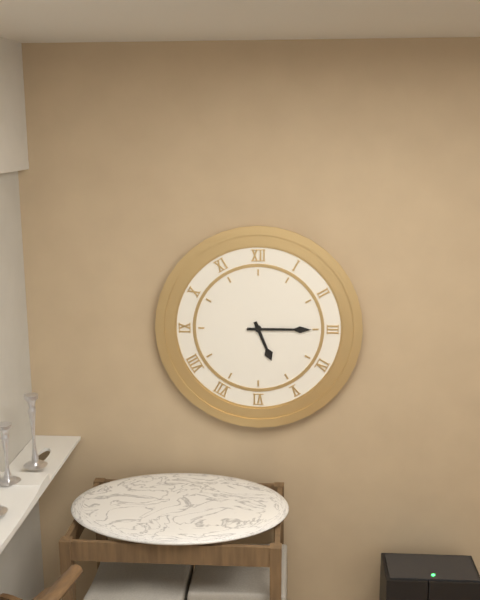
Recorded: 5.15
